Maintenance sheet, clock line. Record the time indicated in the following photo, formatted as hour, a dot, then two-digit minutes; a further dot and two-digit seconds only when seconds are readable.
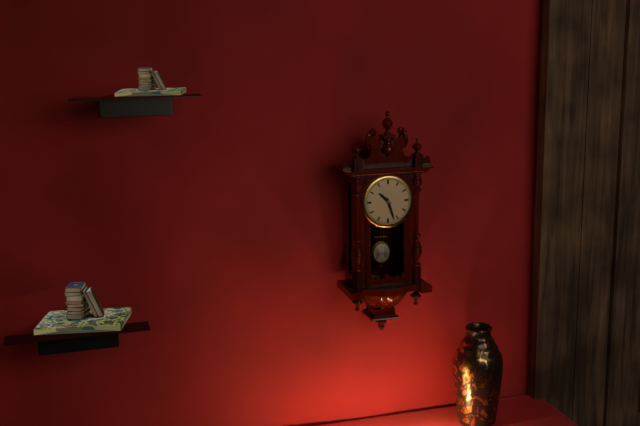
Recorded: 10.27
